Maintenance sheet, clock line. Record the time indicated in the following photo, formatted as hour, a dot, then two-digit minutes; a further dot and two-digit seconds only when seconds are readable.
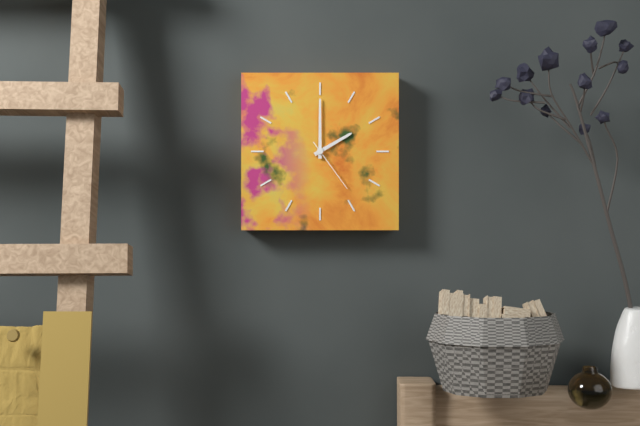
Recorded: 2.00.24
